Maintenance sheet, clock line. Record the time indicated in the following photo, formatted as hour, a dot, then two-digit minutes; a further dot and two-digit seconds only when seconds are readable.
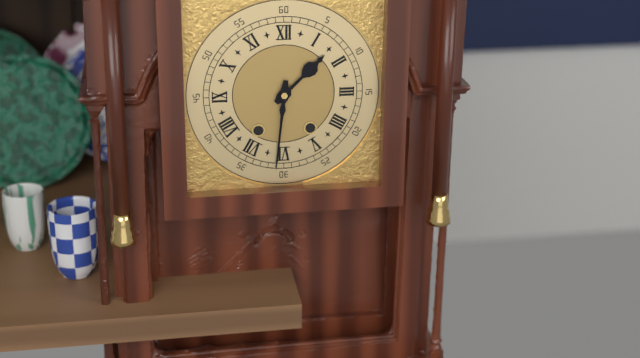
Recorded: 1.31
